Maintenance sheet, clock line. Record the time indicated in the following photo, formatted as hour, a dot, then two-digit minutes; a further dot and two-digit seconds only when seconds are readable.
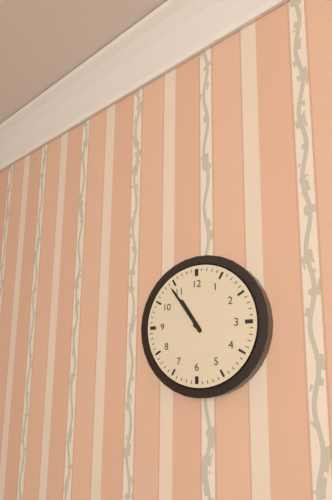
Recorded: 10.54
